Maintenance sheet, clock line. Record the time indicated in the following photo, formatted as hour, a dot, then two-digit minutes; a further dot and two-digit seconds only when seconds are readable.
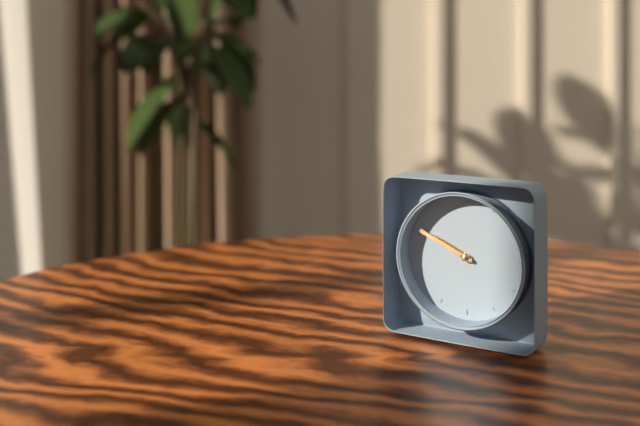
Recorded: 9.49
